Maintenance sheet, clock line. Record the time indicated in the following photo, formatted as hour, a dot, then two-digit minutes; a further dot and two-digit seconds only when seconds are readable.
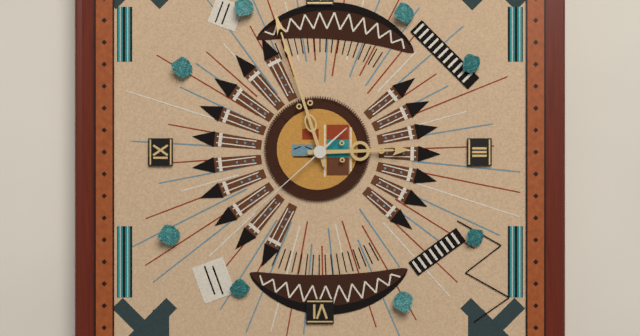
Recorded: 2.57.38
